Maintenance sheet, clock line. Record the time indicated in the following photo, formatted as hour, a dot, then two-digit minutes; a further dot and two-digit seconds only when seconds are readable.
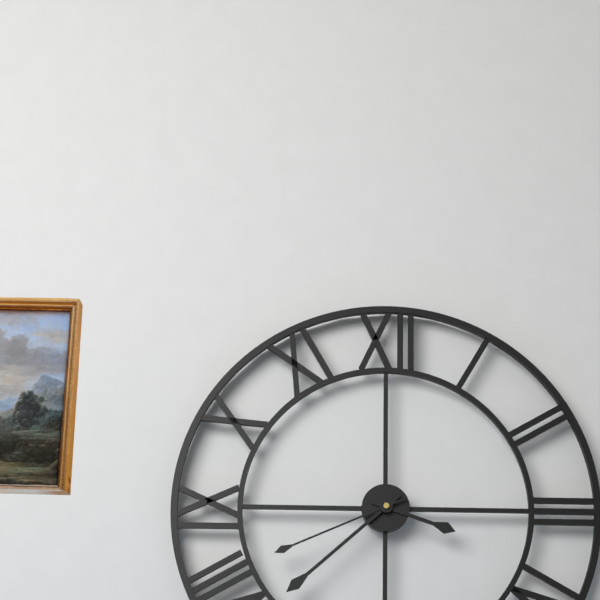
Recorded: 3.38.41
